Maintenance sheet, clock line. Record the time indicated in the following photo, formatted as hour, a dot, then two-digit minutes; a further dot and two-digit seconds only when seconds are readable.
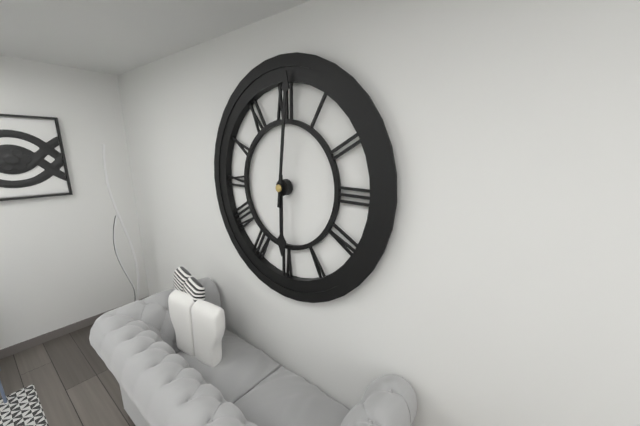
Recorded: 6.01
